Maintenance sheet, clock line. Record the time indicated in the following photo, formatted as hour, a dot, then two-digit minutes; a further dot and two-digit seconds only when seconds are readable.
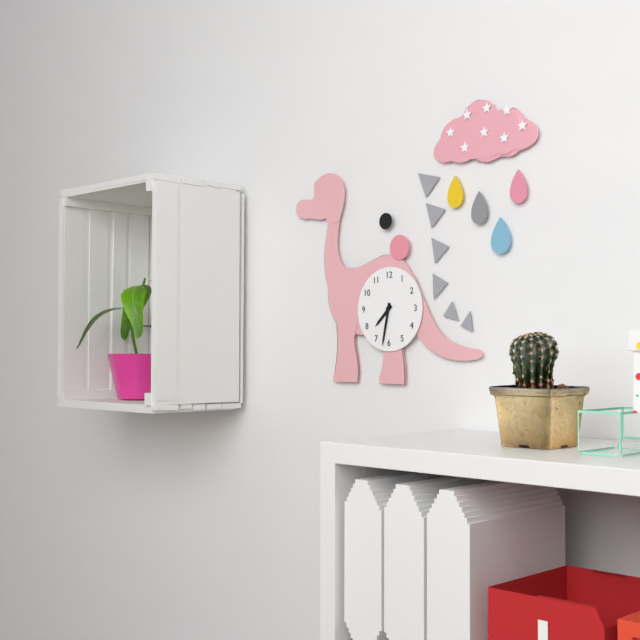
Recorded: 7.32
